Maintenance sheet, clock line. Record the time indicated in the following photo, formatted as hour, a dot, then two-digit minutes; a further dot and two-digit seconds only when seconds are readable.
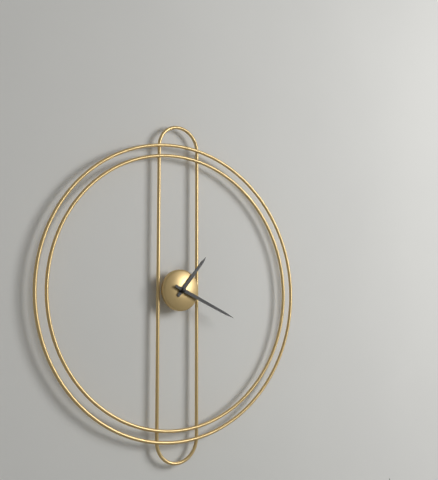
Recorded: 1.19
